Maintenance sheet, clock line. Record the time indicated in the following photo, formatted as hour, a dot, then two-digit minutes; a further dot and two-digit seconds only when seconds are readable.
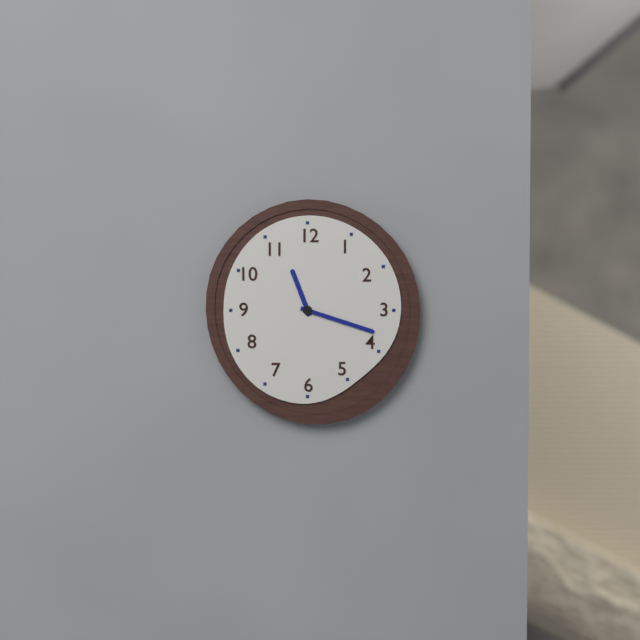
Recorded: 11.18
